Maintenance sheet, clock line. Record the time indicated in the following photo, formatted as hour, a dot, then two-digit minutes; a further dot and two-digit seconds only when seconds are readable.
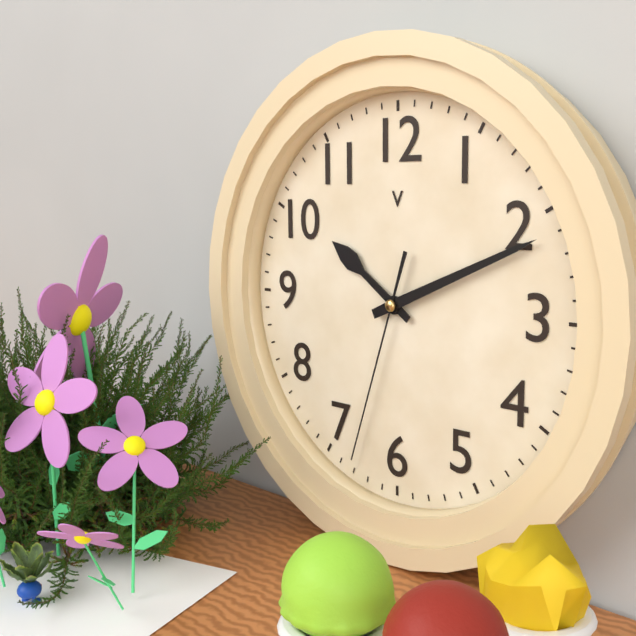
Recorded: 10.11.33
